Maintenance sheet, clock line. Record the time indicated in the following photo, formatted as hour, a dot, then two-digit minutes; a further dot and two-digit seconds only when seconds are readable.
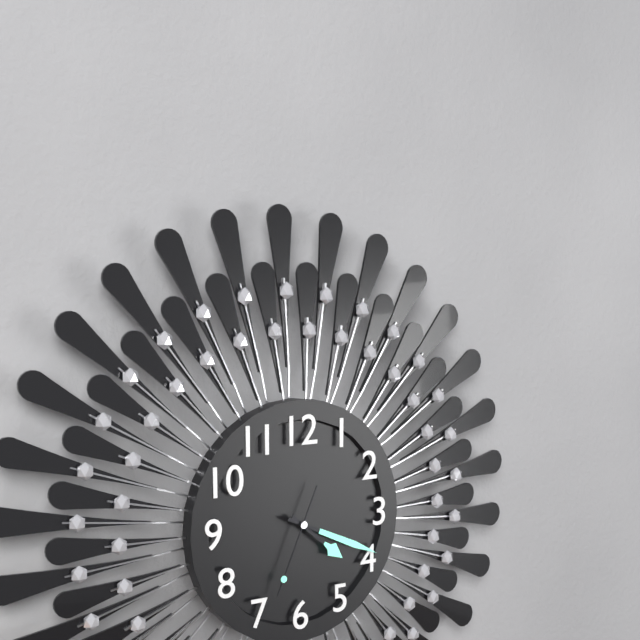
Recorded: 4.19.34
